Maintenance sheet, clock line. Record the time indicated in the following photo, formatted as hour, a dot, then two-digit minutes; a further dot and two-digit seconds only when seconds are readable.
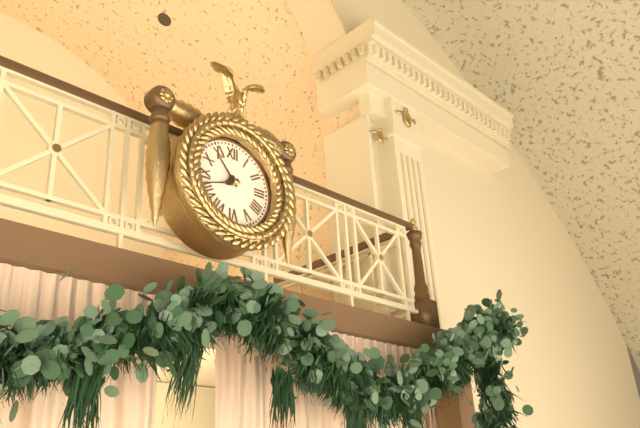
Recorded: 10.42
